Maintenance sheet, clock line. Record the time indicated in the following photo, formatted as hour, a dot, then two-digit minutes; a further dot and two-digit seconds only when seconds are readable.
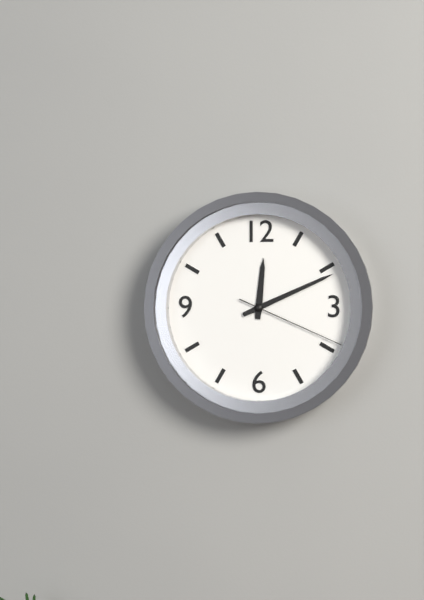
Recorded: 12.11.19
